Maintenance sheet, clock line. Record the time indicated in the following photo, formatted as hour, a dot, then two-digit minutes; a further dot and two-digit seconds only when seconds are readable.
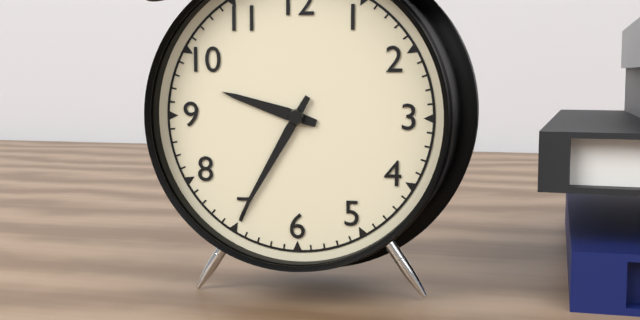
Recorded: 9.35
